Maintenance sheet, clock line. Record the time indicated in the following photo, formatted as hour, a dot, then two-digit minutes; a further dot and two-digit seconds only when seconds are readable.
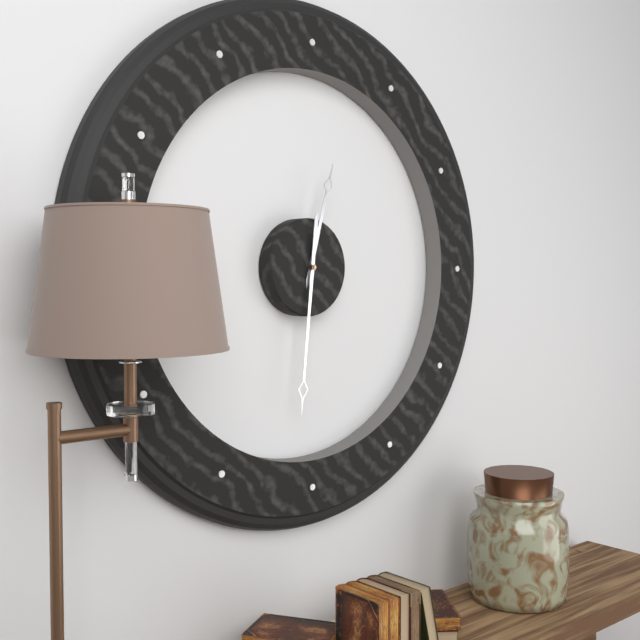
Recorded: 12.31
